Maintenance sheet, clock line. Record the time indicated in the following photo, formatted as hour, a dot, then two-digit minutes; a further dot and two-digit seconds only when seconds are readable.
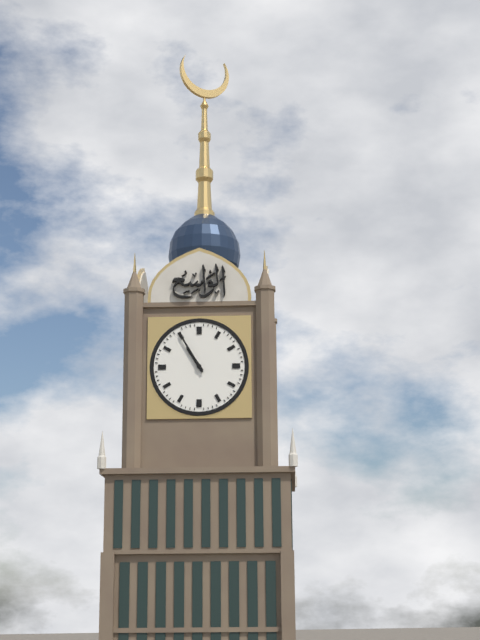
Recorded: 10.55
